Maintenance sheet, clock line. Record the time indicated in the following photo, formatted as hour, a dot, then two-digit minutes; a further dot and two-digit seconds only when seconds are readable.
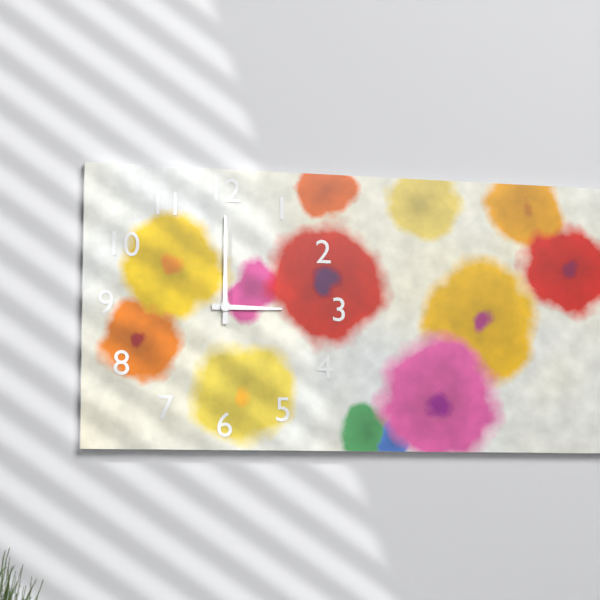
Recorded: 3.00
